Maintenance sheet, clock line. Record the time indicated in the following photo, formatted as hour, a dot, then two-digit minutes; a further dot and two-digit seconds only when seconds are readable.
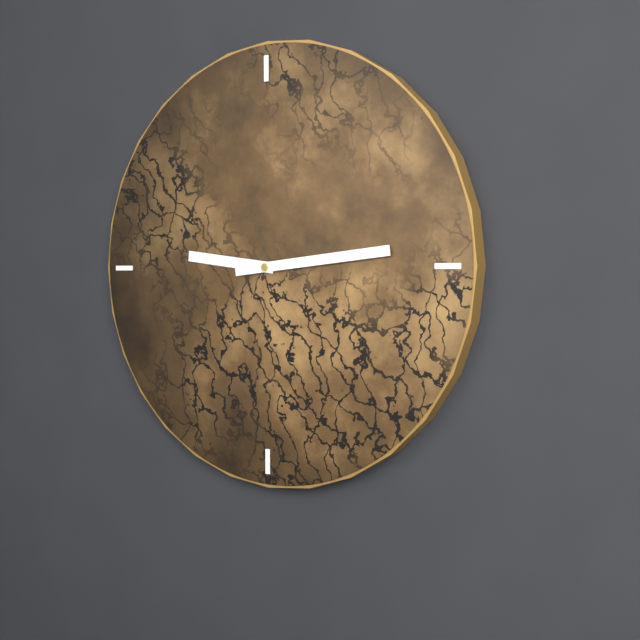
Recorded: 9.14
